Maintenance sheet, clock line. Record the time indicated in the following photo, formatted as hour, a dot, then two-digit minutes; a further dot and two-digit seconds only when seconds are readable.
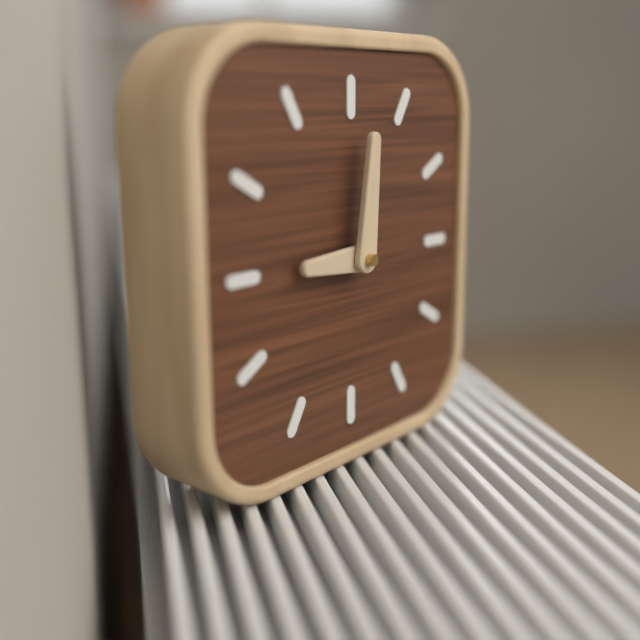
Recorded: 9.01
